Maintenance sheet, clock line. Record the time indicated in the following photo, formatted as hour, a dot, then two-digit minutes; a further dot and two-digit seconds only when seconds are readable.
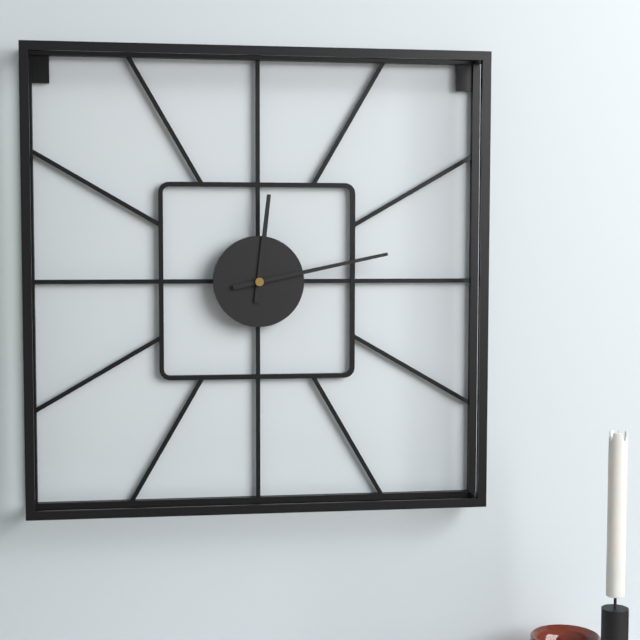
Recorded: 12.13
